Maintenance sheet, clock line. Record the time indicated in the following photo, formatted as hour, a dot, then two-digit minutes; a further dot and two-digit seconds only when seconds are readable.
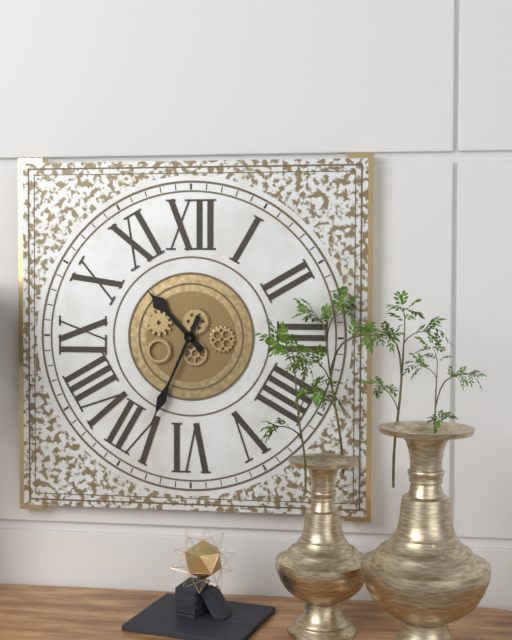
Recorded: 10.34
